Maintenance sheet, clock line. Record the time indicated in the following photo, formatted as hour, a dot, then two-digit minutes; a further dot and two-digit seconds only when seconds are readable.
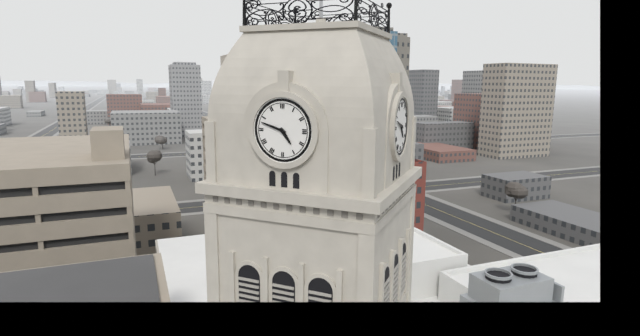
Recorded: 4.48
